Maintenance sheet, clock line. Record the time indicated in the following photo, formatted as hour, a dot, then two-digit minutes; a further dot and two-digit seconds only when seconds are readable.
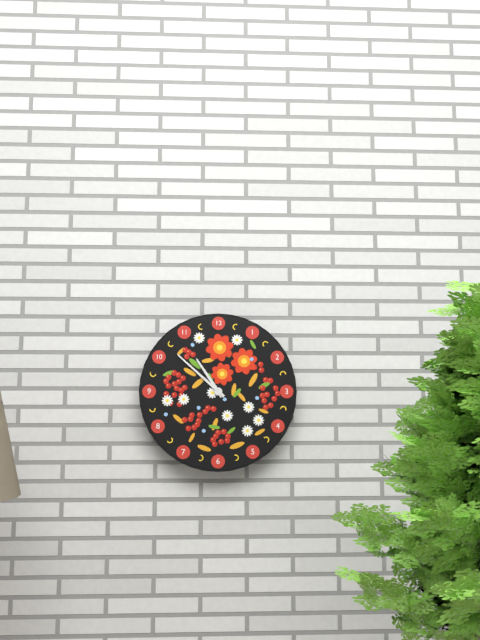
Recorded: 10.52
